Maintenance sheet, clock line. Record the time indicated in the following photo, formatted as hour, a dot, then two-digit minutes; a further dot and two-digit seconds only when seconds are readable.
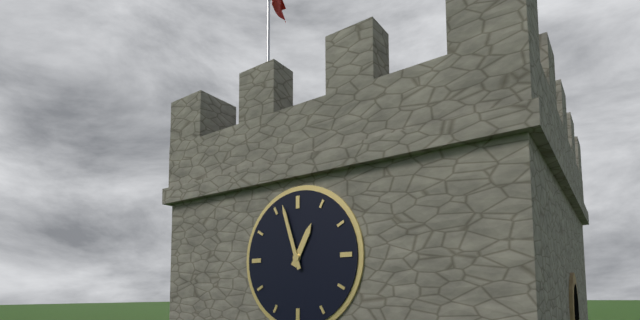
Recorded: 12.57
